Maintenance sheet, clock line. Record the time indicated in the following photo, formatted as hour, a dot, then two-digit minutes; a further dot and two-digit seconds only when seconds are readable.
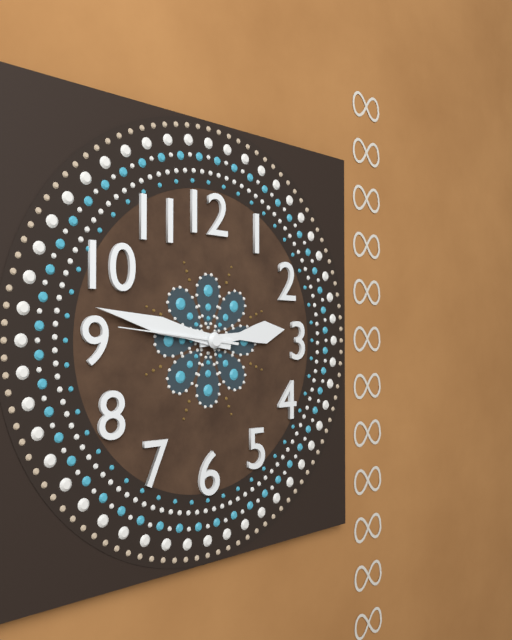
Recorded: 2.47.46
